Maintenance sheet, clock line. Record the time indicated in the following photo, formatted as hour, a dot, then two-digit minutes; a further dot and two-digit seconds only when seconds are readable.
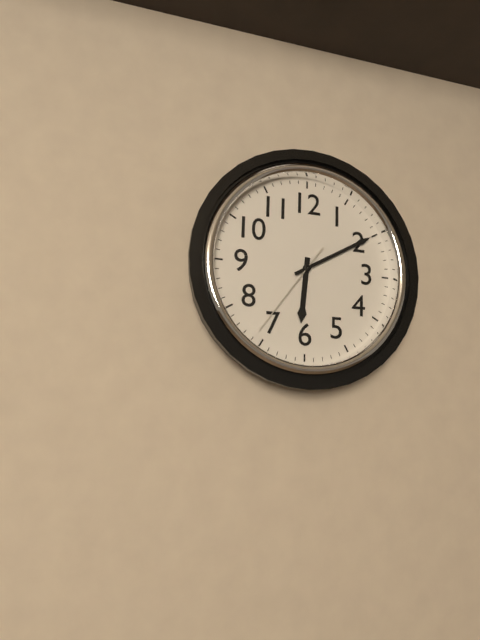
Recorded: 6.10.36
